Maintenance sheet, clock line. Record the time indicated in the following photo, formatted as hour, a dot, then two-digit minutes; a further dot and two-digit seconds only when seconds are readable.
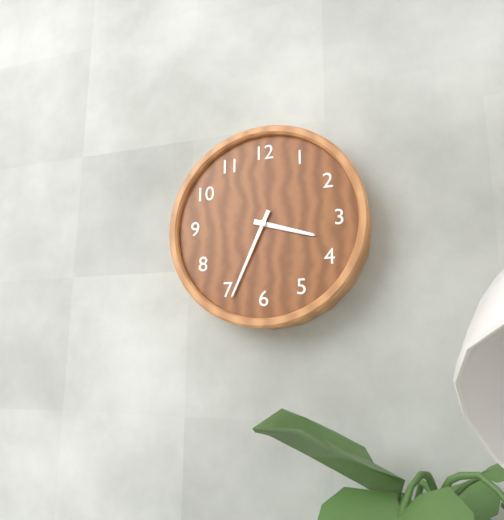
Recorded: 3.34
